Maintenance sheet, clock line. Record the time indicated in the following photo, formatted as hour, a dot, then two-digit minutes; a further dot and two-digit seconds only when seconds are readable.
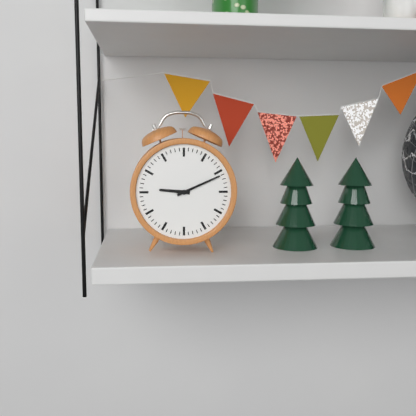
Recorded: 9.11
